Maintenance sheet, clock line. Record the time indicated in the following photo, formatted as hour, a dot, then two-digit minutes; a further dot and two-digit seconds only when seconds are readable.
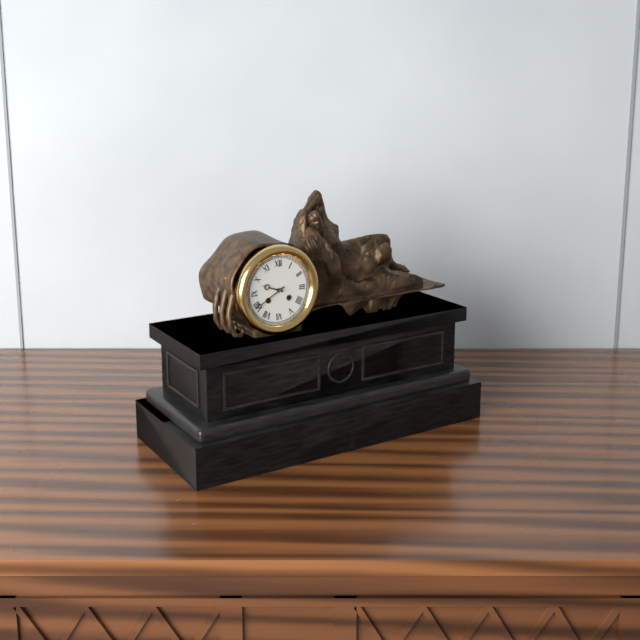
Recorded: 9.40
